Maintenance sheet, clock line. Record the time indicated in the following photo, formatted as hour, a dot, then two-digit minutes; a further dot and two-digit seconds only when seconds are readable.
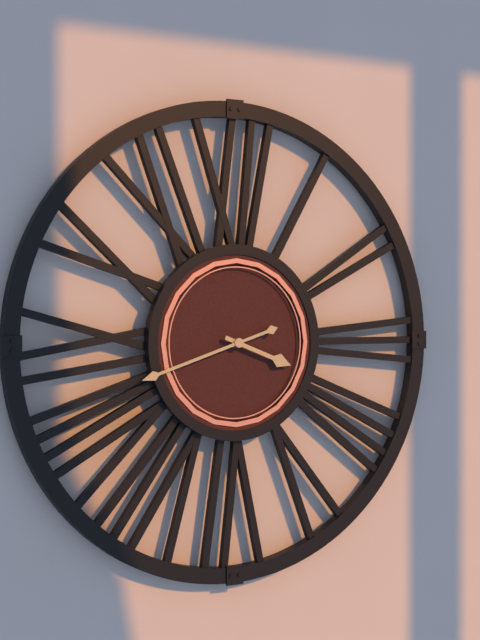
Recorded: 3.42
